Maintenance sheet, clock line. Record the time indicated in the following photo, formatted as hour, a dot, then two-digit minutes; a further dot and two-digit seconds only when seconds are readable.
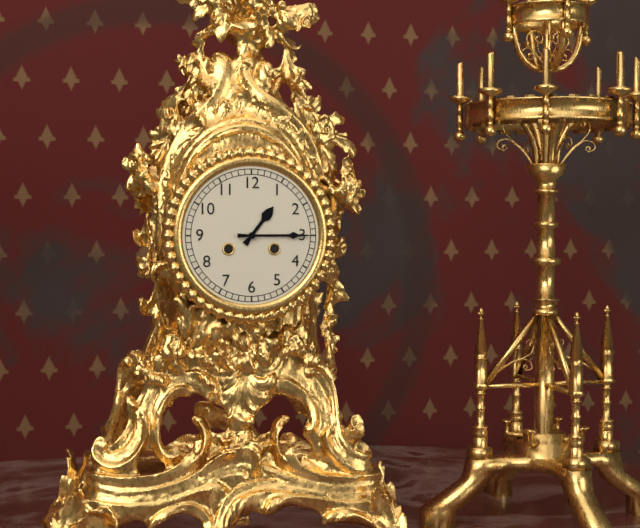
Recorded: 1.15
